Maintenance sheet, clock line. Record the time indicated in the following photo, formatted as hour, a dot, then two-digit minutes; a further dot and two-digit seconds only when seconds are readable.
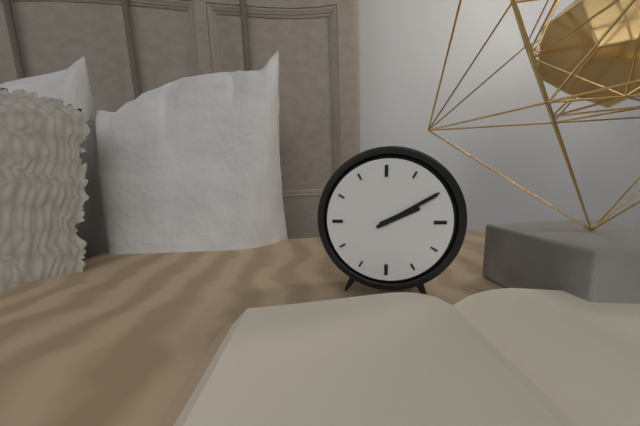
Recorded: 2.10
